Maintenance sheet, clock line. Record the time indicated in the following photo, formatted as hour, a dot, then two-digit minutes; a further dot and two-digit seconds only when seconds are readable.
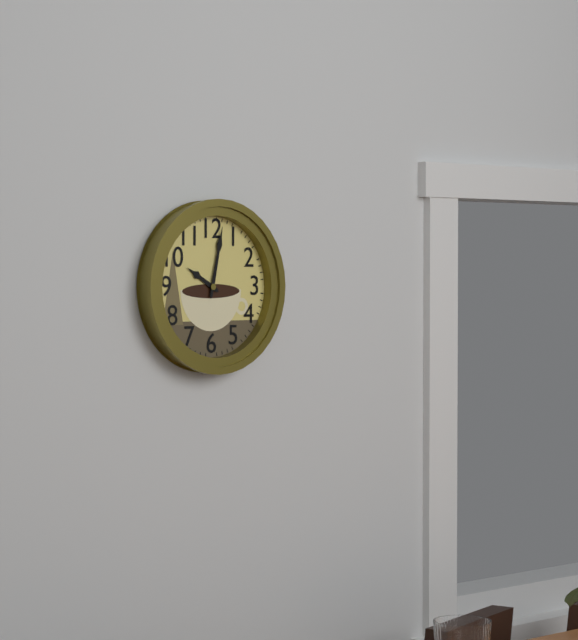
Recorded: 10.02
